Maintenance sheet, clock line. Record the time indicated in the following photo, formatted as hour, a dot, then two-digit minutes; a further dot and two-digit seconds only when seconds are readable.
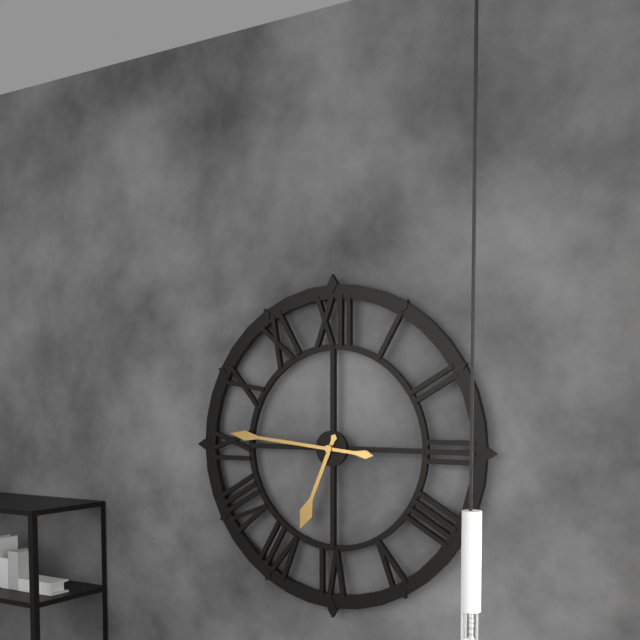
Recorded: 6.46
